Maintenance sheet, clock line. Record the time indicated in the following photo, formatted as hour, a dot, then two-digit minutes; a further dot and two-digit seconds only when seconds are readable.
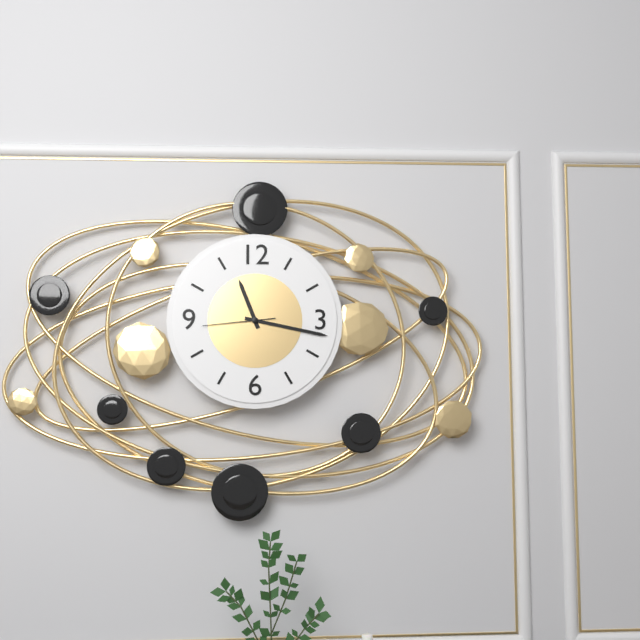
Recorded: 11.17.44
